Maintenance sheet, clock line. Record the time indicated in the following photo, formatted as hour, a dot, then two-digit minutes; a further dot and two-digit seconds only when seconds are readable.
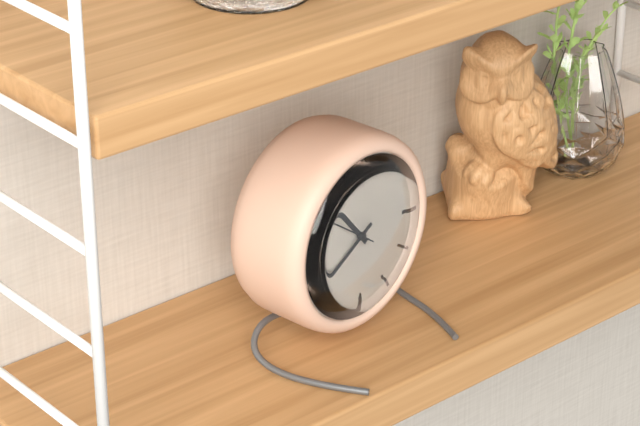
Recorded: 10.40
